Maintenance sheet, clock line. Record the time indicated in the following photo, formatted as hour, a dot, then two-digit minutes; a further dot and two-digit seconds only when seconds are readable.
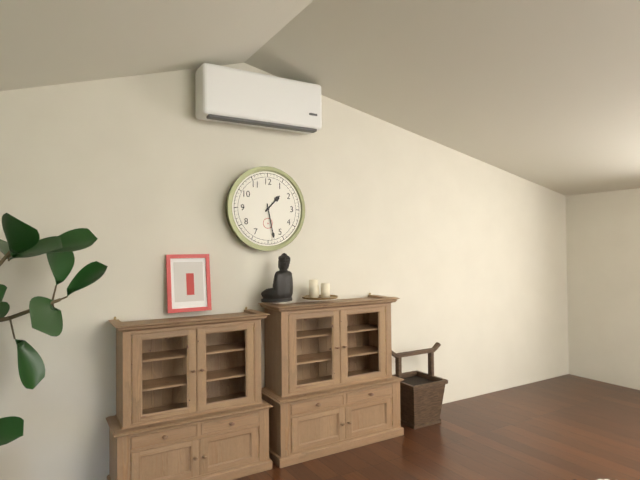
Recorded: 1.28
